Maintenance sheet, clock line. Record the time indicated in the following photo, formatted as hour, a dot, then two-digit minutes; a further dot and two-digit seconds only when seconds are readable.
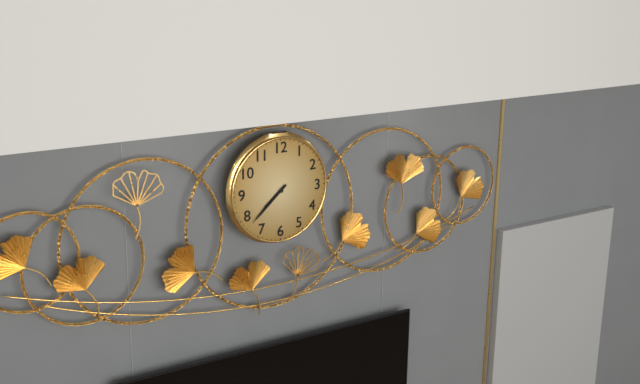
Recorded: 7.38
